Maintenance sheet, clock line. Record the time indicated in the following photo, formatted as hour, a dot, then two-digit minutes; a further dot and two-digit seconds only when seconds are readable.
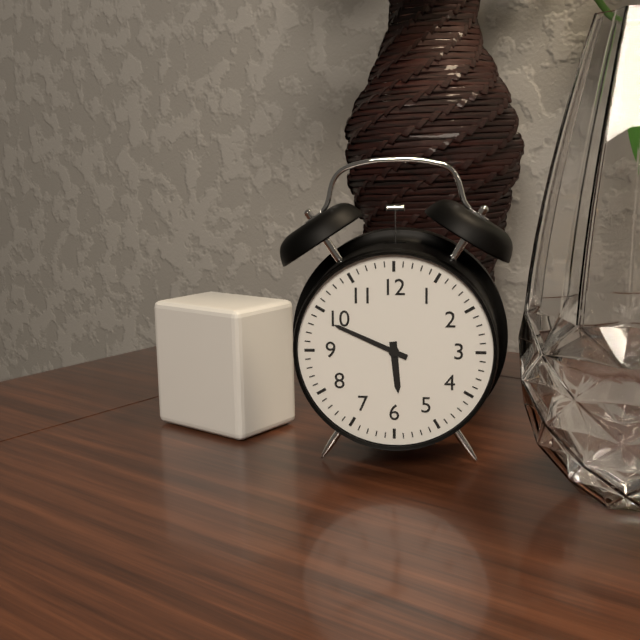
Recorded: 5.49
